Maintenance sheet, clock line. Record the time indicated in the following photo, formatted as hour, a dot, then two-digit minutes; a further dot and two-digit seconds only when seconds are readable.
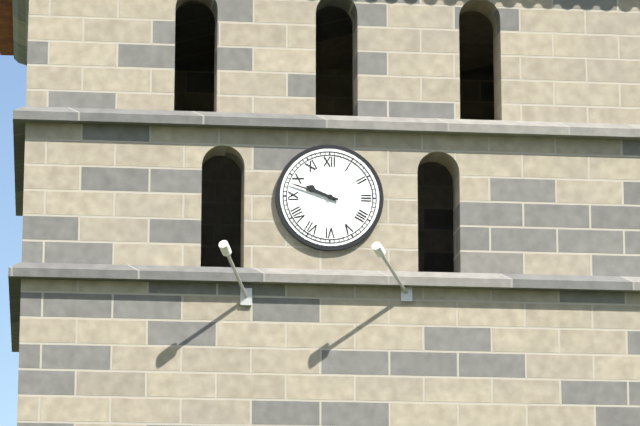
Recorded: 9.48
